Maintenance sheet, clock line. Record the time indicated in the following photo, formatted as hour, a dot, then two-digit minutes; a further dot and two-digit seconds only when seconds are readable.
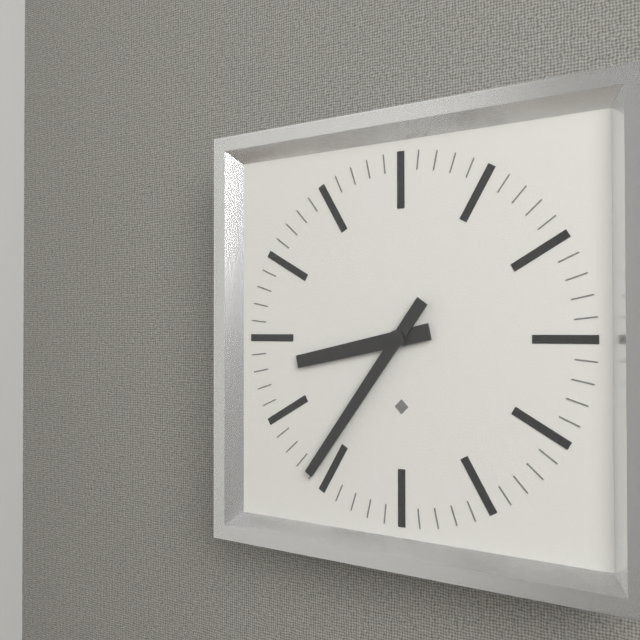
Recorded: 8.36
